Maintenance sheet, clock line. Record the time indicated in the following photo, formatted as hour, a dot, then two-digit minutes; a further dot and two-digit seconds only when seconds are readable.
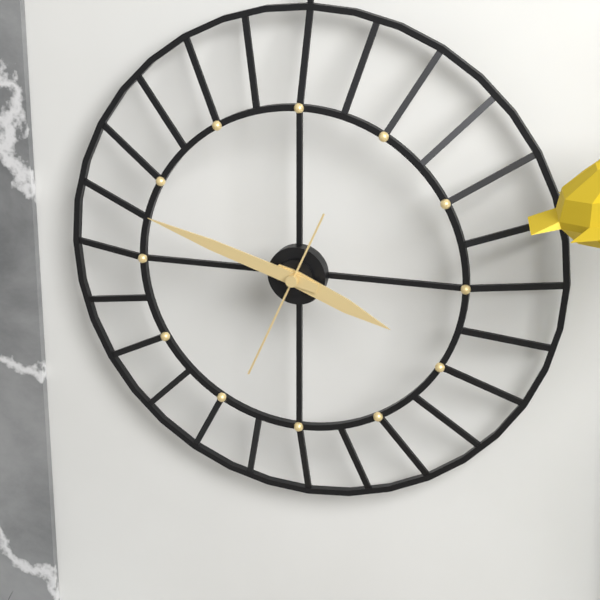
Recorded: 3.48.34
